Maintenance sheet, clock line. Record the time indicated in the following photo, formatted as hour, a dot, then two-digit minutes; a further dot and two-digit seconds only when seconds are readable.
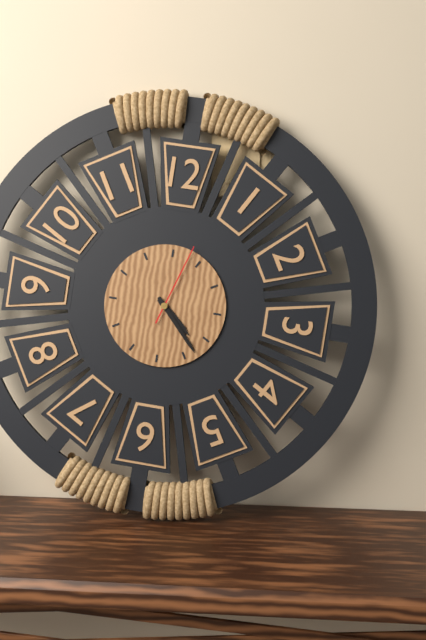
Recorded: 4.23.03
